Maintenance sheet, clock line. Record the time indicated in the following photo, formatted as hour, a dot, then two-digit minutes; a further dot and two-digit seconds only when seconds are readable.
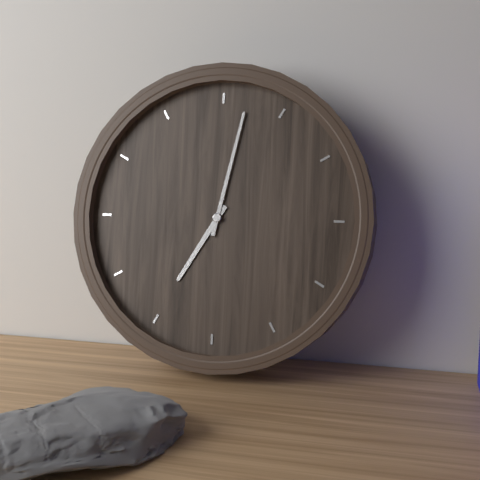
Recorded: 7.02
